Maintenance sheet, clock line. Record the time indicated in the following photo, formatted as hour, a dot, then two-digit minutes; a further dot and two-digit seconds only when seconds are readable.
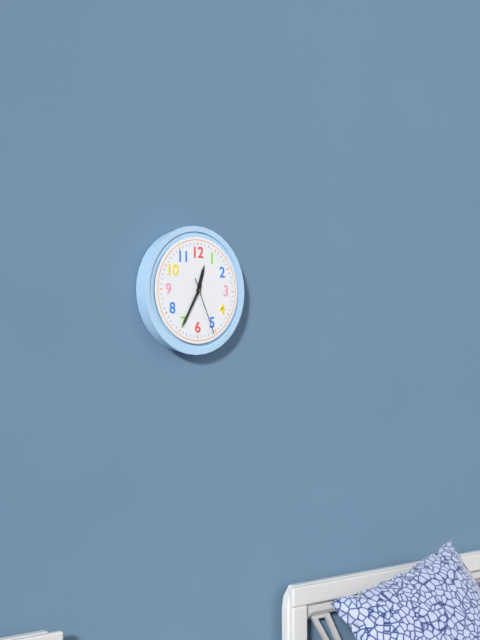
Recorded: 12.35.26
